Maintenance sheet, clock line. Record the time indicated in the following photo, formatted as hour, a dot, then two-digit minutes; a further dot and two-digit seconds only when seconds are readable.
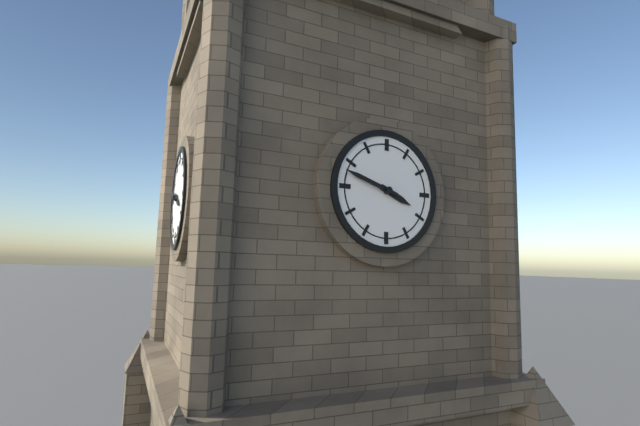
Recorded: 3.48
